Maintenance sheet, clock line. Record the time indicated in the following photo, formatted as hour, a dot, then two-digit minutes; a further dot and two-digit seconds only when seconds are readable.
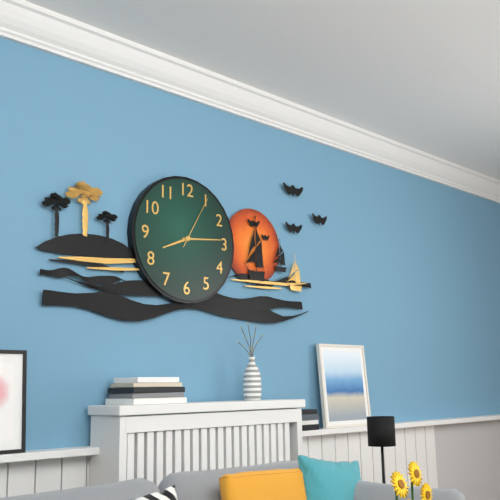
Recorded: 8.14.05
